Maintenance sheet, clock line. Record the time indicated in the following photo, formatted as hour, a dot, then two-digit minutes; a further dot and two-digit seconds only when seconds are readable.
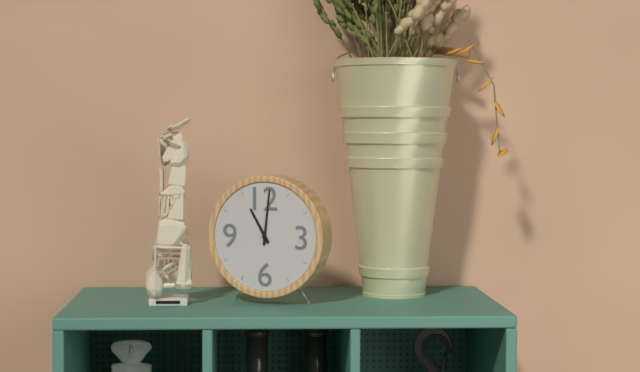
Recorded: 11.01
